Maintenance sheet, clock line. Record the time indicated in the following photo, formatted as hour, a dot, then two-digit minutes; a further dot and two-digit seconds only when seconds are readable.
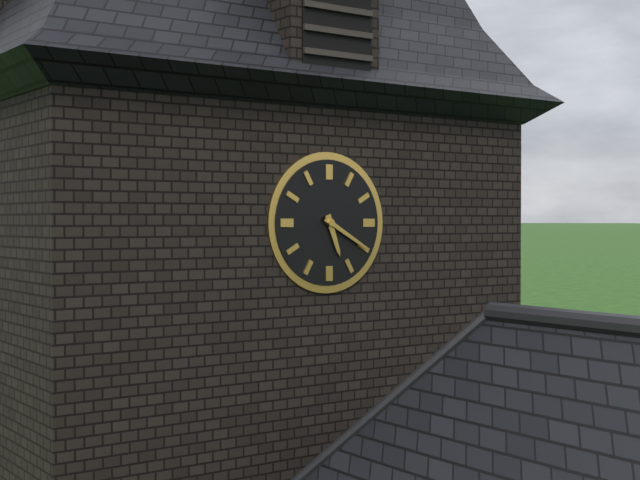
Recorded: 5.20
